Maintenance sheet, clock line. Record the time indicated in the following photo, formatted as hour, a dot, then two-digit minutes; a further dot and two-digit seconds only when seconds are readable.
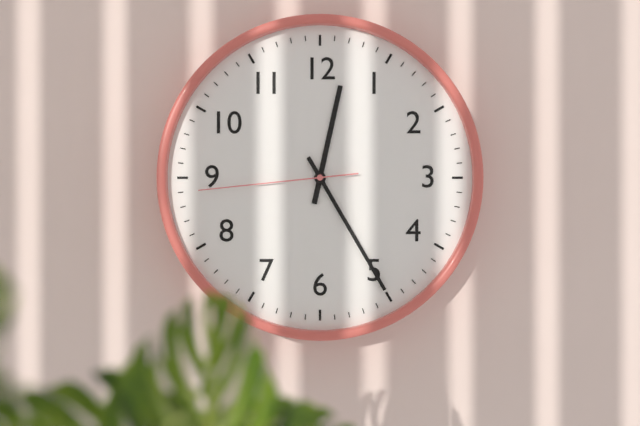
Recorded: 12.25.44
